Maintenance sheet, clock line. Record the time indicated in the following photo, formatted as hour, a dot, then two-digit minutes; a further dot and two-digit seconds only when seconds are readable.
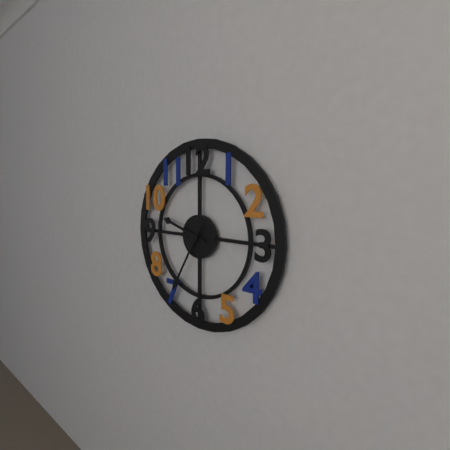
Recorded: 9.35
